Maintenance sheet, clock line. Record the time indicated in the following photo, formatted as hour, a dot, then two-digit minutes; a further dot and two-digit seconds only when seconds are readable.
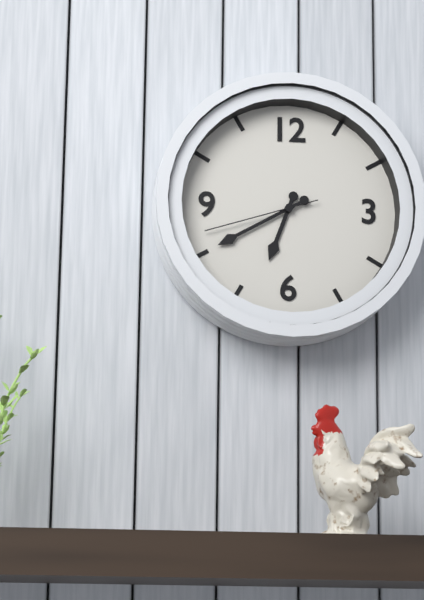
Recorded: 6.40.42
